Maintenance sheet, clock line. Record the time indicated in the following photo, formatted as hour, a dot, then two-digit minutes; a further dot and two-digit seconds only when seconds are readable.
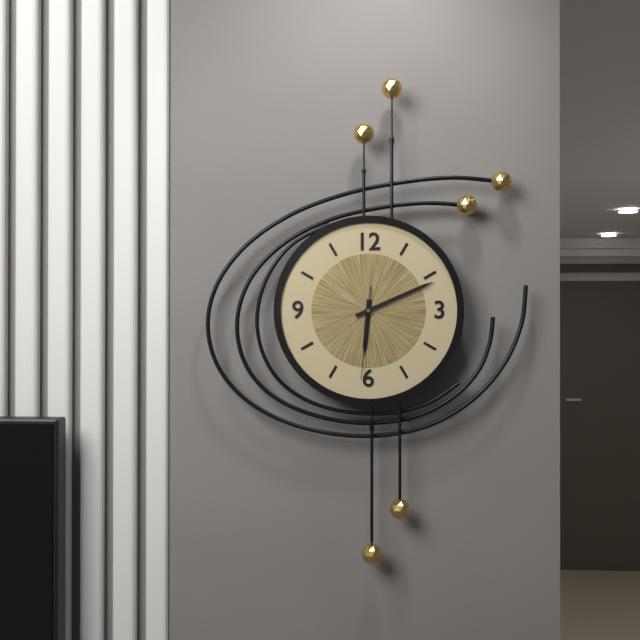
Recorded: 6.11.31
